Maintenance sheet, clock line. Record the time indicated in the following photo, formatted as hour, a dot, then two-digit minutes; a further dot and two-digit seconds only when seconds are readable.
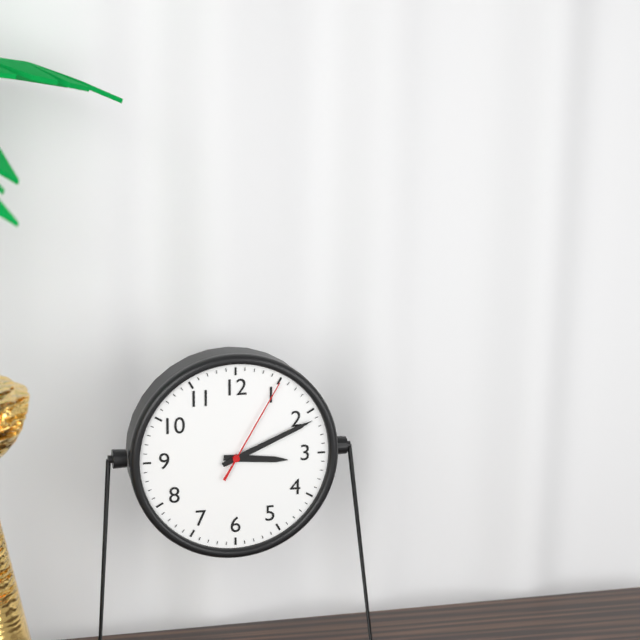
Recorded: 3.11.05
